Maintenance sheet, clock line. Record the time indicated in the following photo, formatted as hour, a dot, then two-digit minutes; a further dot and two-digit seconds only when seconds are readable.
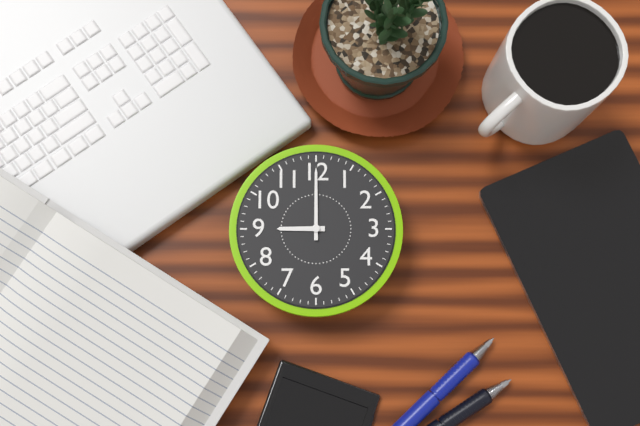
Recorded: 9.00
